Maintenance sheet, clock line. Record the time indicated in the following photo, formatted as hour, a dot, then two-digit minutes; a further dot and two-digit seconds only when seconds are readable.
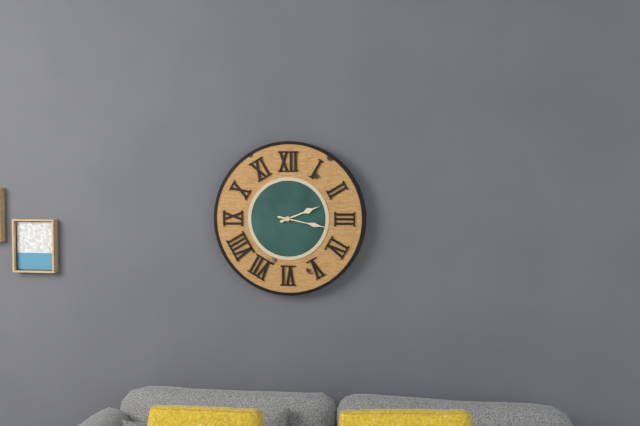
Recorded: 2.17
